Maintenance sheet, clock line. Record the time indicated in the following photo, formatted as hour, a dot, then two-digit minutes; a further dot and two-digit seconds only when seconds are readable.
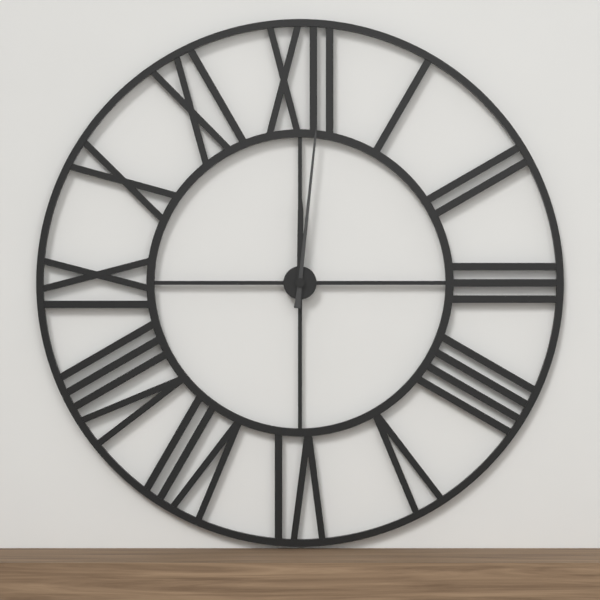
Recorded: 12.01
